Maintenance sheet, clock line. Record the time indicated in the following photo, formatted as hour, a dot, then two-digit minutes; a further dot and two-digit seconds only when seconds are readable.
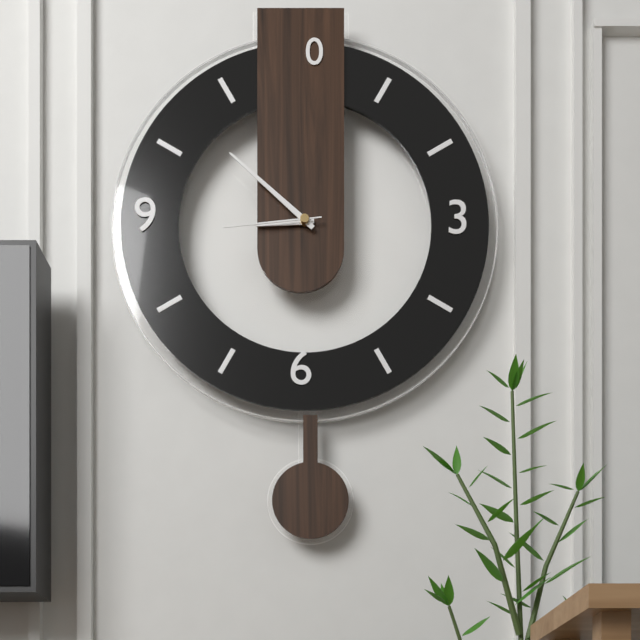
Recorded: 8.52.44
